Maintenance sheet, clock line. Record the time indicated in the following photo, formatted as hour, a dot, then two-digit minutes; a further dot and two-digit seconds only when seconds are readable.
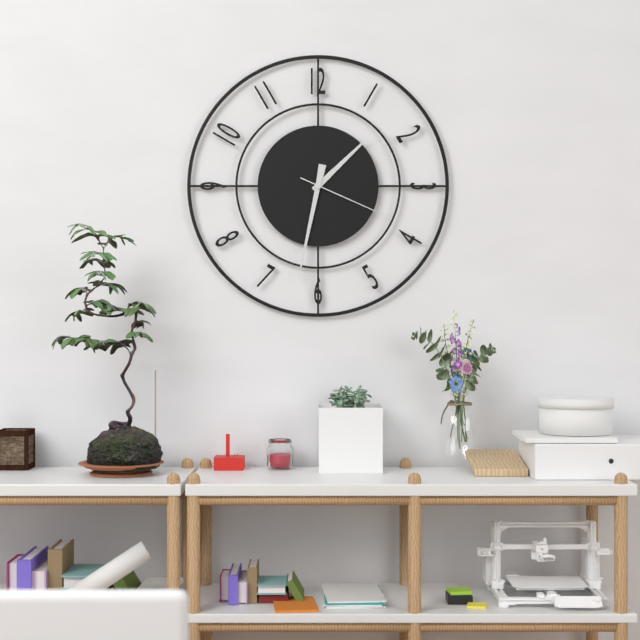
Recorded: 1.32.19
